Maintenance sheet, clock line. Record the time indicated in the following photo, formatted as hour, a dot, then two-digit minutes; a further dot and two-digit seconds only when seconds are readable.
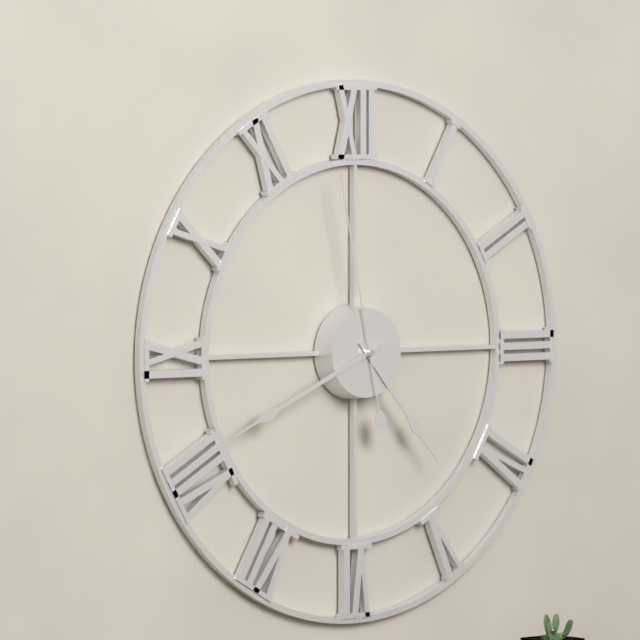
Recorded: 4.41.58
